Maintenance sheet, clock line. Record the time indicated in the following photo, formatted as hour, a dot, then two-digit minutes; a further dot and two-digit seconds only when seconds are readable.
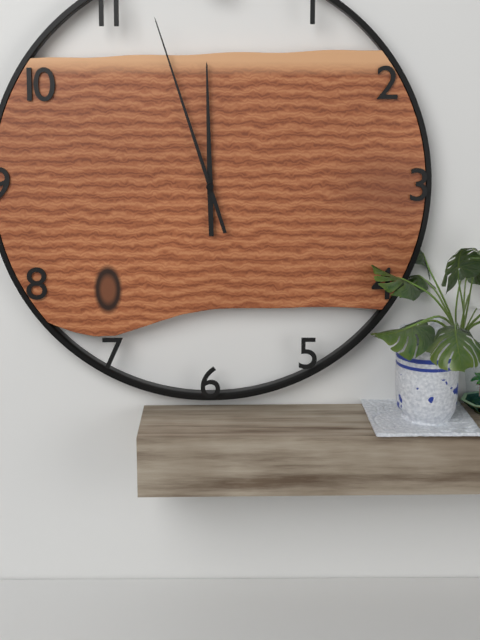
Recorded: 11.57
